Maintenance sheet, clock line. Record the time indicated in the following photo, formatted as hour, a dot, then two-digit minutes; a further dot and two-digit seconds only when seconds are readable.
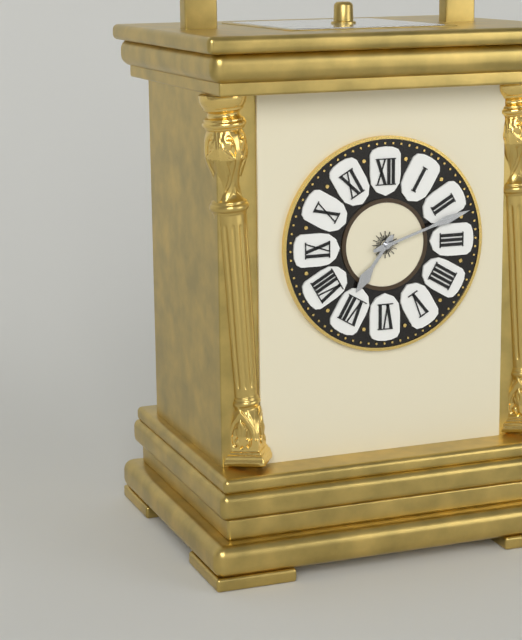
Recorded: 7.12
